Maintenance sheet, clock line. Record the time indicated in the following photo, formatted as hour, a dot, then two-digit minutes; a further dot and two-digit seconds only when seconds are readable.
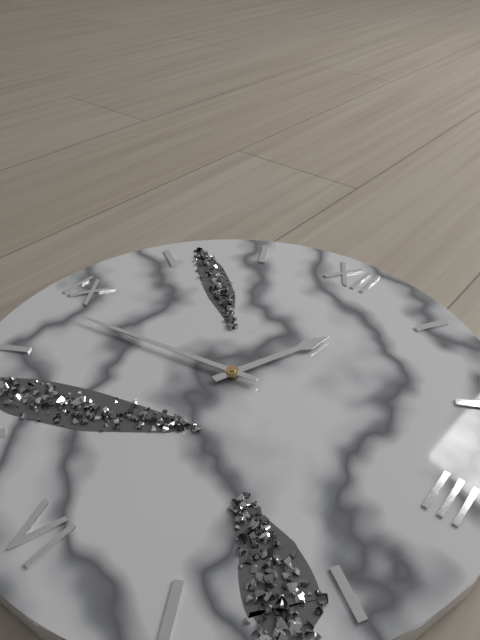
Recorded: 12.43
